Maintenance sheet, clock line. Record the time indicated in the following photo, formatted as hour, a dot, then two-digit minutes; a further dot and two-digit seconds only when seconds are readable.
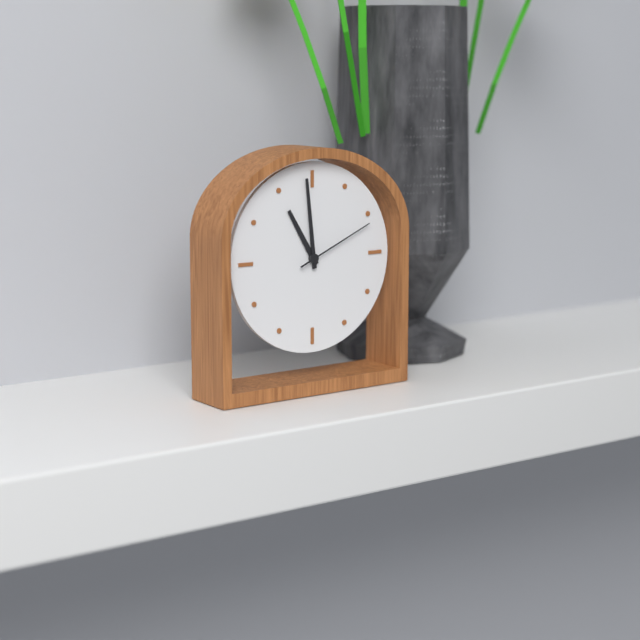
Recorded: 10.59.11
